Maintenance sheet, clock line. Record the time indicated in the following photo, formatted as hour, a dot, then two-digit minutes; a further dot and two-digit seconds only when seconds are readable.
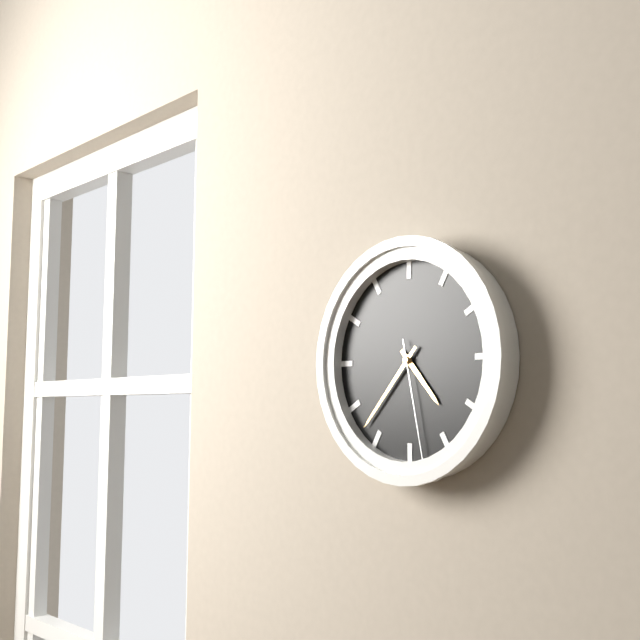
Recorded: 4.37.28
